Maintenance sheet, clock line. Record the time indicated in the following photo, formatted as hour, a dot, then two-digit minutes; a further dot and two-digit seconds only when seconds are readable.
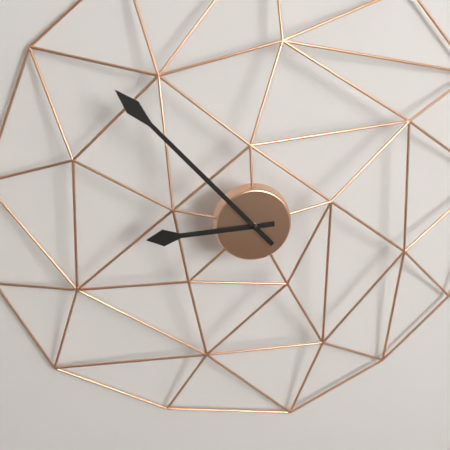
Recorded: 8.53
